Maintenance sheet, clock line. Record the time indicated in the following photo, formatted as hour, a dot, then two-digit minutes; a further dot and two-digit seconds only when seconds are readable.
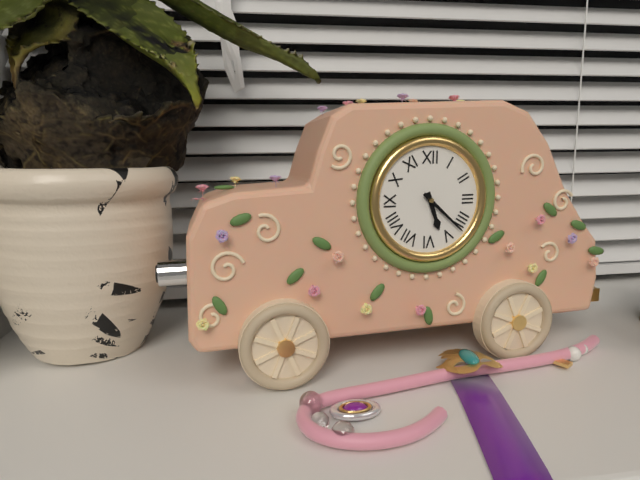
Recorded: 5.22
